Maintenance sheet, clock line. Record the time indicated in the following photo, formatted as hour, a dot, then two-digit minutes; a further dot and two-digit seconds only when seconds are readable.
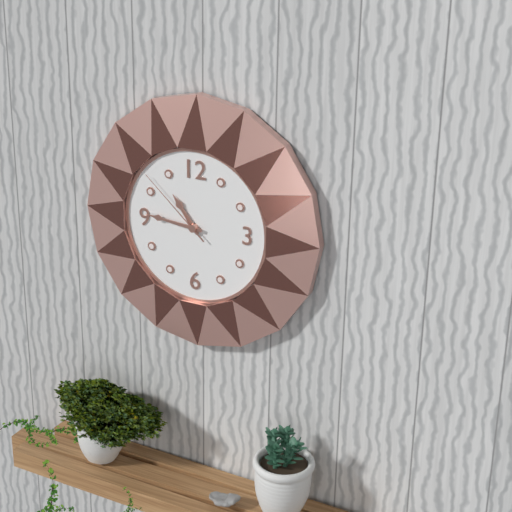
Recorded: 10.46.52
